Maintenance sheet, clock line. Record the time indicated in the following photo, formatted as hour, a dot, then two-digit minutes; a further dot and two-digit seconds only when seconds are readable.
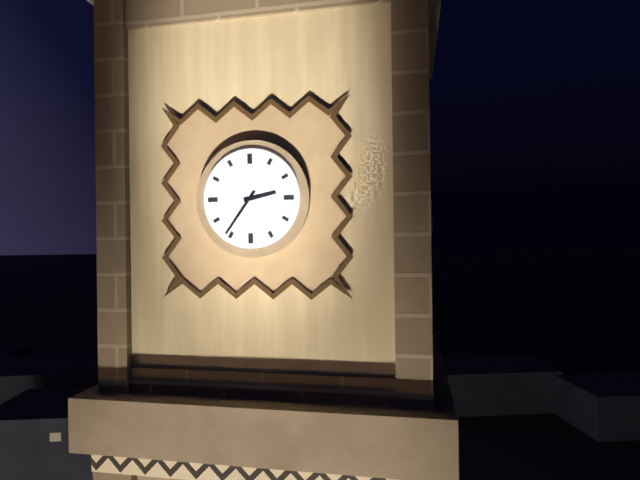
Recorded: 2.36
